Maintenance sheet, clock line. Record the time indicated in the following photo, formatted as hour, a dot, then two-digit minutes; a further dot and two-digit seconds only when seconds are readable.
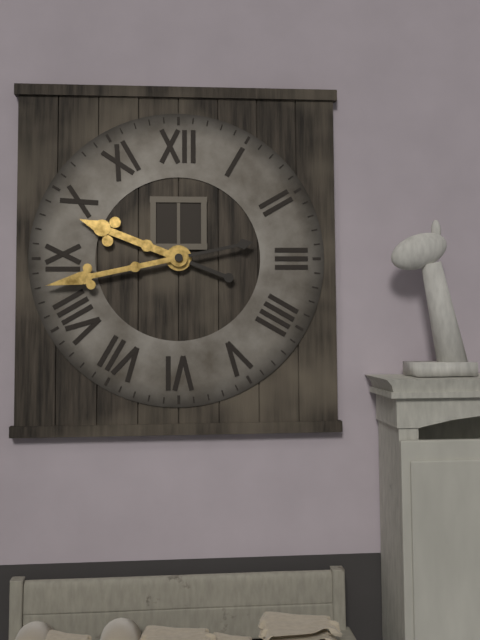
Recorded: 9.43
